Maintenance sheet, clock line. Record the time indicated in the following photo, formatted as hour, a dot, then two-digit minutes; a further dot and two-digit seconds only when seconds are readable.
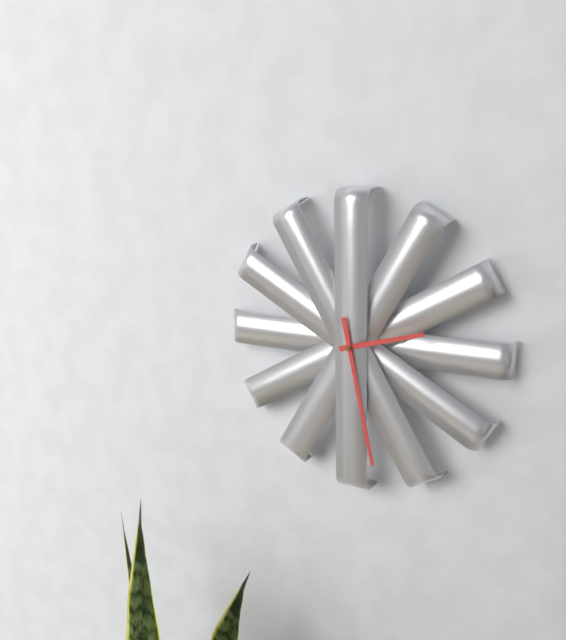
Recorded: 2.28
